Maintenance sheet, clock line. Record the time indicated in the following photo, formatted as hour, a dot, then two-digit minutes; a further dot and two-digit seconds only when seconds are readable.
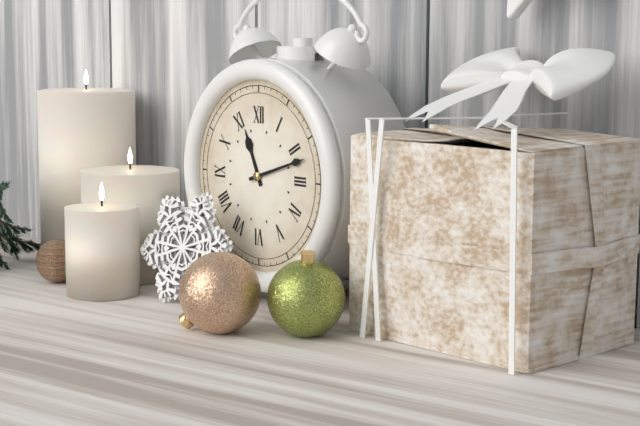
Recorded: 11.12
